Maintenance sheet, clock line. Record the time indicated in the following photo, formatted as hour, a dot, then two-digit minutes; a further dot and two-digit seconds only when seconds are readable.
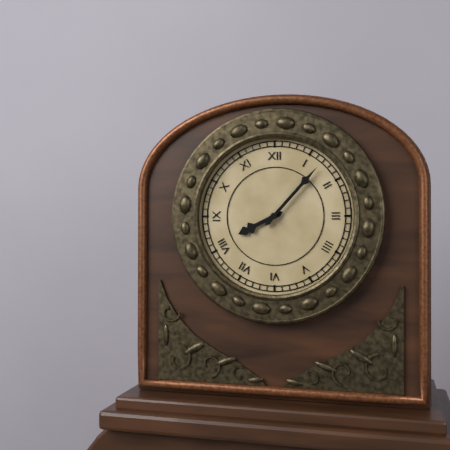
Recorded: 8.07
